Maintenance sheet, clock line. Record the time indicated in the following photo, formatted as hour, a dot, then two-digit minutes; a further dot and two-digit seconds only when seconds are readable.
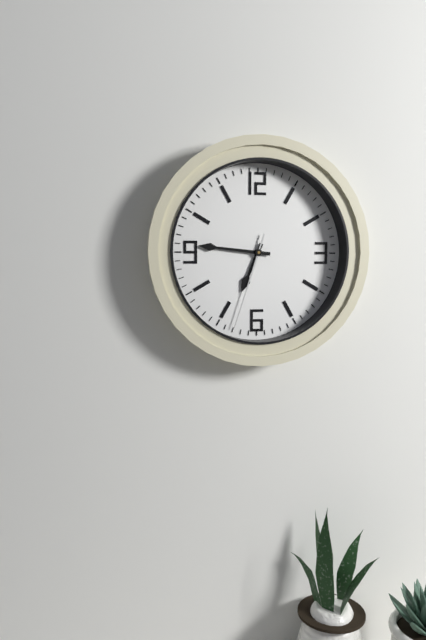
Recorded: 6.46.33
